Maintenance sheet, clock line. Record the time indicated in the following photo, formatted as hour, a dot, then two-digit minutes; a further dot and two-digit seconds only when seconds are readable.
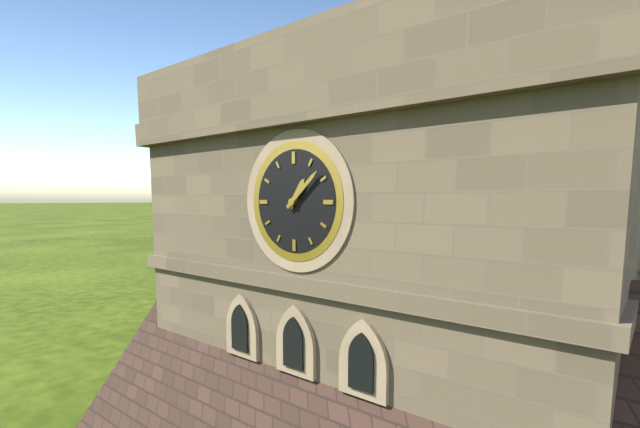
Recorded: 1.08
